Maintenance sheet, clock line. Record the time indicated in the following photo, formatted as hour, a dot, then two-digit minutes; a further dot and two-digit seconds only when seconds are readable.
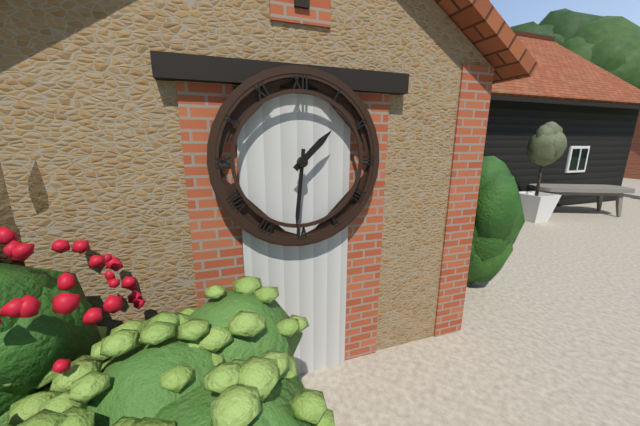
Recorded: 1.31
